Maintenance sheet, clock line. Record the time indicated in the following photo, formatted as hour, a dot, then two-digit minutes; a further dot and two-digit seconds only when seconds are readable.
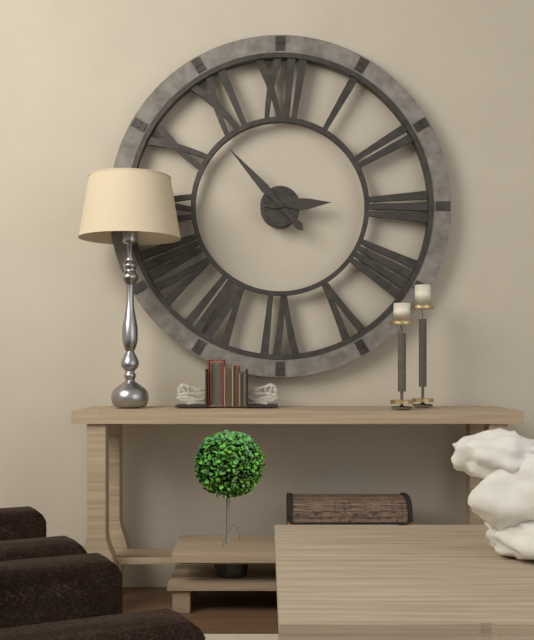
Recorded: 2.53
